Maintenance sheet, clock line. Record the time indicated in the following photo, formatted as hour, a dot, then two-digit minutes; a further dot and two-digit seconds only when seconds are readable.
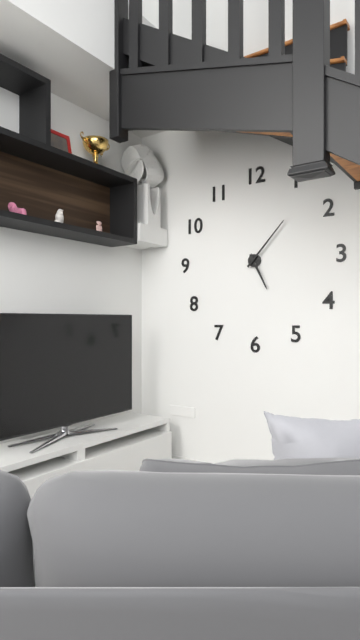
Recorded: 5.07
